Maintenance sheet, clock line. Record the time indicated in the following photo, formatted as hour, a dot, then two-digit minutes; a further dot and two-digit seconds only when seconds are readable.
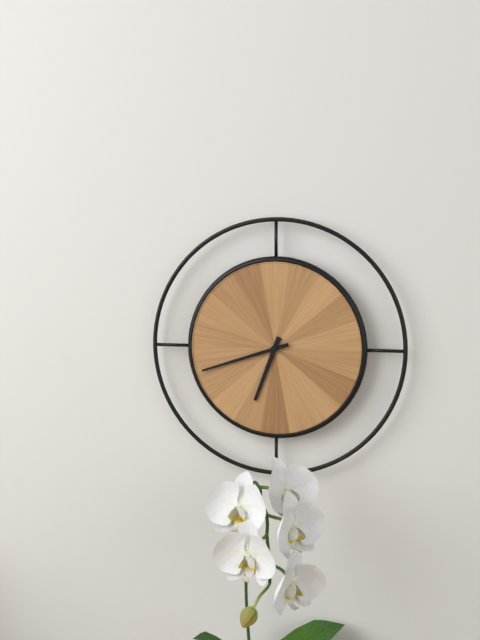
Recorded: 6.42
